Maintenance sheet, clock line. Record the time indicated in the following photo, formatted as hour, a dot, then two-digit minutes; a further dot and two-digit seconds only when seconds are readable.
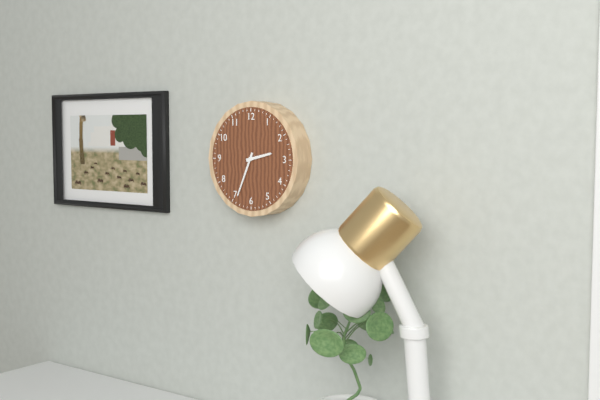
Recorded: 2.34
